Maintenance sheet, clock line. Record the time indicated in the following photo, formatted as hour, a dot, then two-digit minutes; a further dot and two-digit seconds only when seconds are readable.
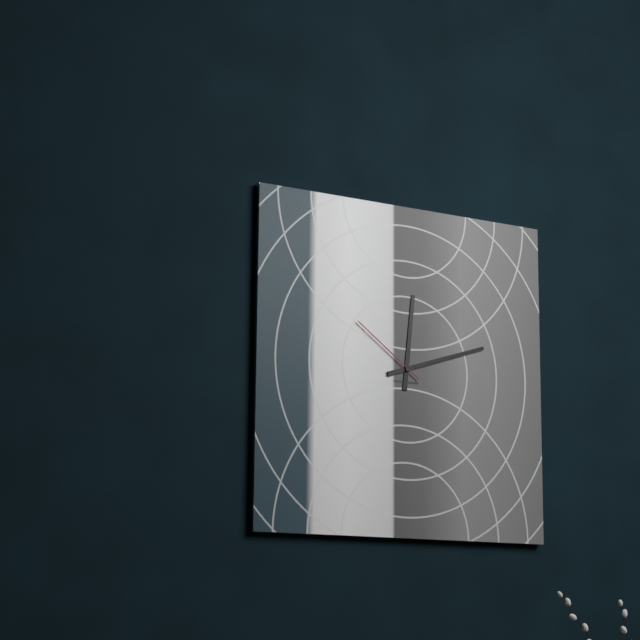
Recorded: 12.12.51
